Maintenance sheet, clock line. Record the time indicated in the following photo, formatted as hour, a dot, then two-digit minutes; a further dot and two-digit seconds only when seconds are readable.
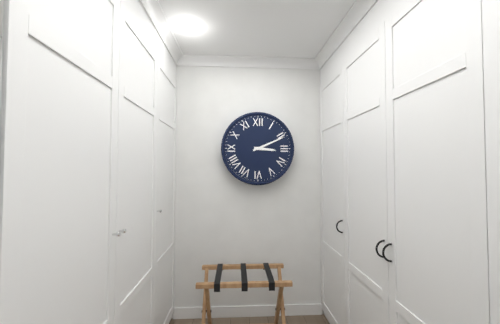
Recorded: 3.11
